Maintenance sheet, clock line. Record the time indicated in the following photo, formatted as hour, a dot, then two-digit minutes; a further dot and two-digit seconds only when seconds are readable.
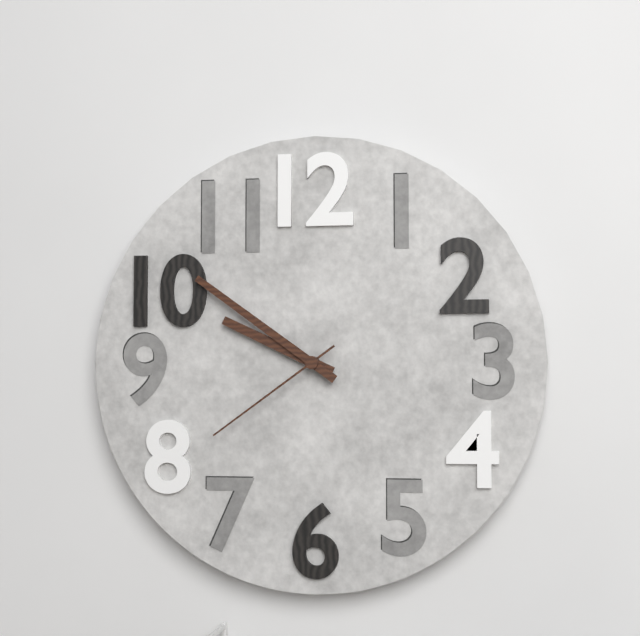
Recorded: 9.51.39
